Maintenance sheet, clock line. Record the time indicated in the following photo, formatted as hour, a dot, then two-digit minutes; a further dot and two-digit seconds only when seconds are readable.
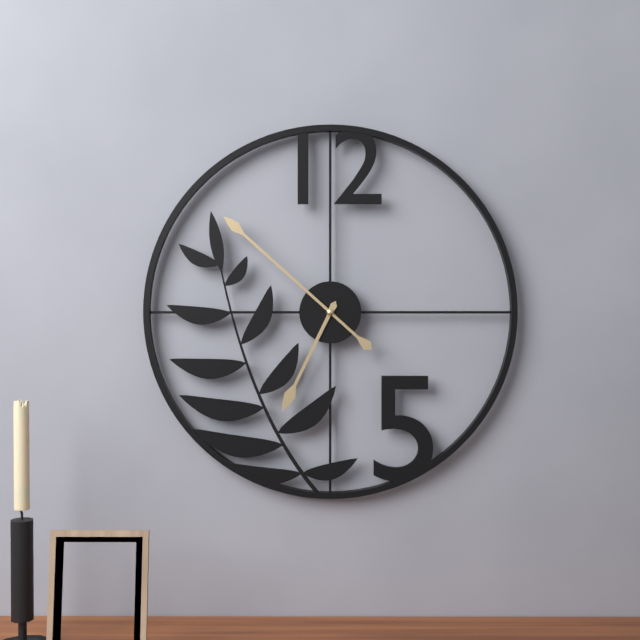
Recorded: 6.52
